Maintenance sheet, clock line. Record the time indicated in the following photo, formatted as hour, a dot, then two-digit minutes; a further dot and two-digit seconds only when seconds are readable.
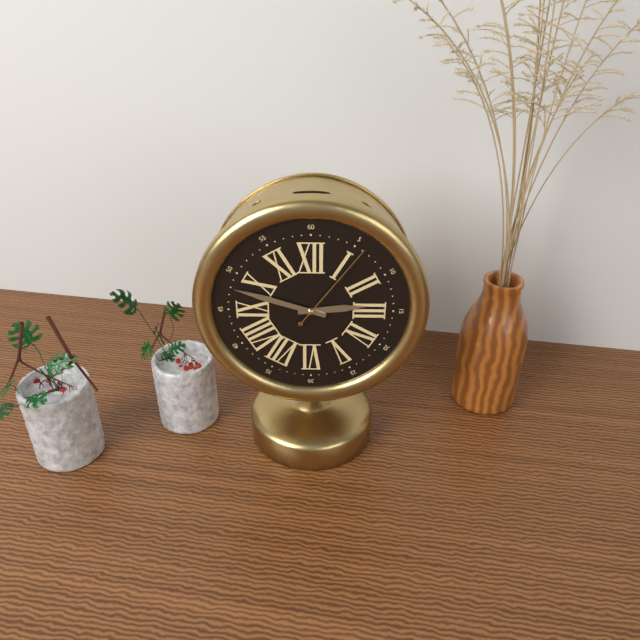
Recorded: 2.48.06
